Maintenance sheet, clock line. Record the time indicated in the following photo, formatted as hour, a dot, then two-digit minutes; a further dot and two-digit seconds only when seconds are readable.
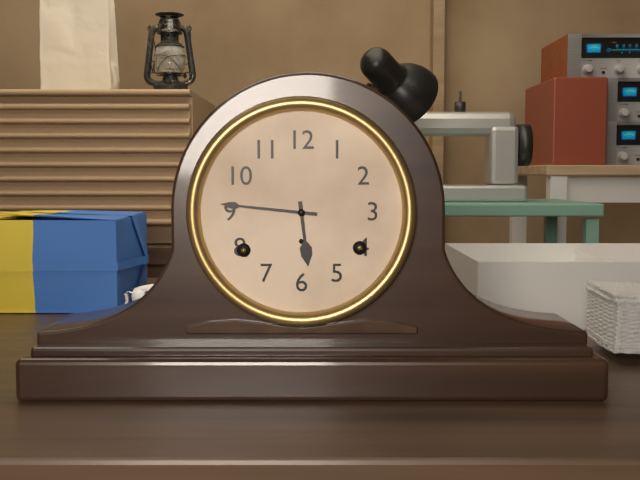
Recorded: 5.46
